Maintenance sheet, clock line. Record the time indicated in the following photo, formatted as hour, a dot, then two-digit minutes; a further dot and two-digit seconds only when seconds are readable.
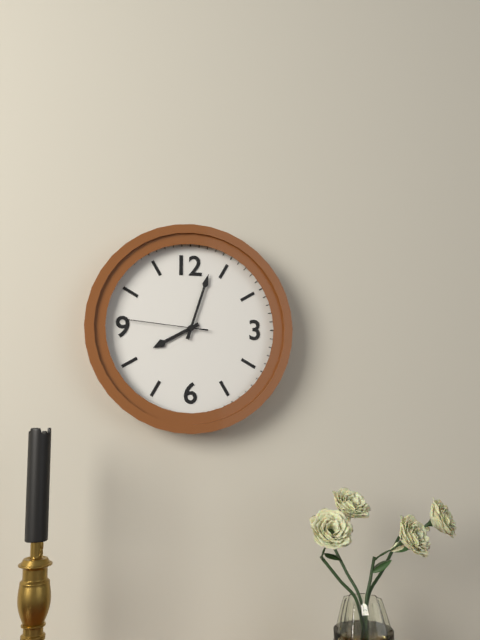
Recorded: 8.03.46
